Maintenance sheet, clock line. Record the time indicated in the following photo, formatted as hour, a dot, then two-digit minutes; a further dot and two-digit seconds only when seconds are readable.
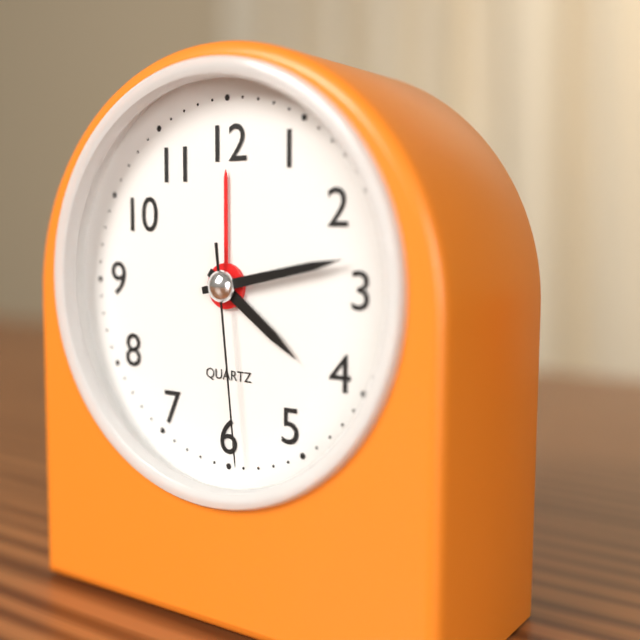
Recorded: 4.13.29
